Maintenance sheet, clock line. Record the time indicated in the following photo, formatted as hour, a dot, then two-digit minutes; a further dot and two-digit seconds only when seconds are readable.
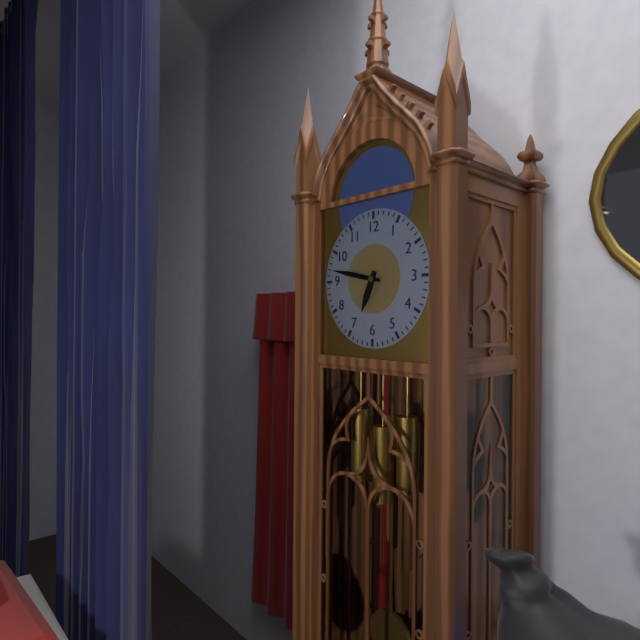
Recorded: 6.47
